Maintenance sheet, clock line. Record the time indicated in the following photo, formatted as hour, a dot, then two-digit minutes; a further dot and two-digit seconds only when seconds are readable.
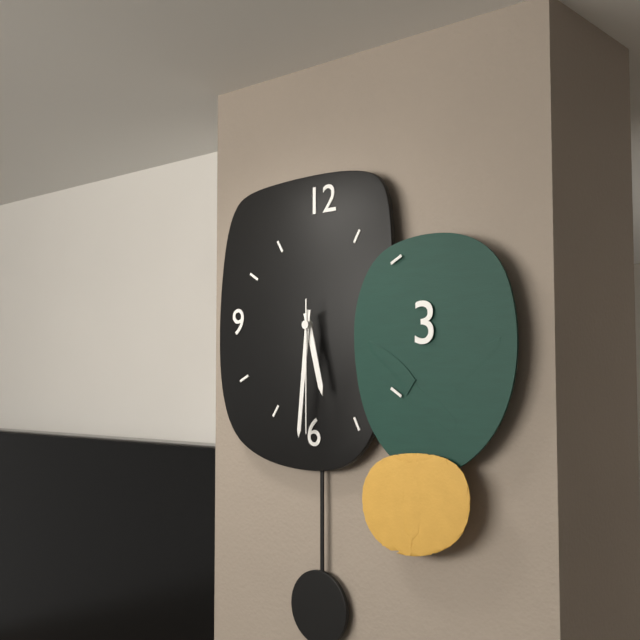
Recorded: 5.31.30
